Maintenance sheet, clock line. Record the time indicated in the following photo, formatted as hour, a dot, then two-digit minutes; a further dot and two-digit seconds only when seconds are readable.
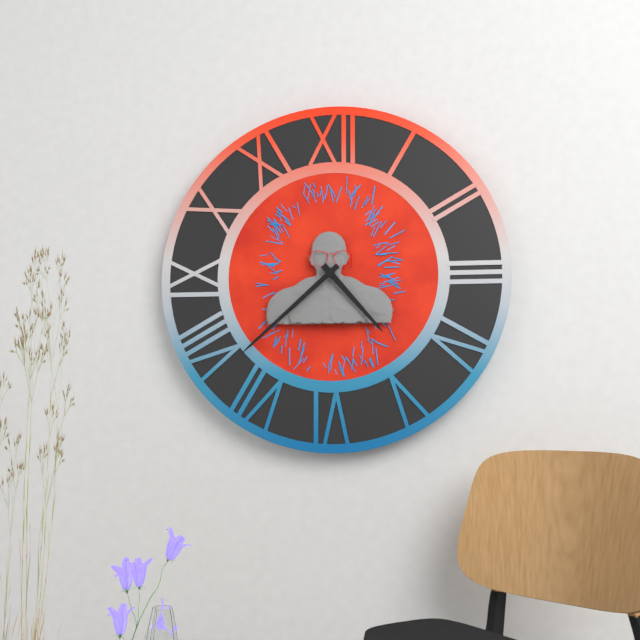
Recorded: 4.38
